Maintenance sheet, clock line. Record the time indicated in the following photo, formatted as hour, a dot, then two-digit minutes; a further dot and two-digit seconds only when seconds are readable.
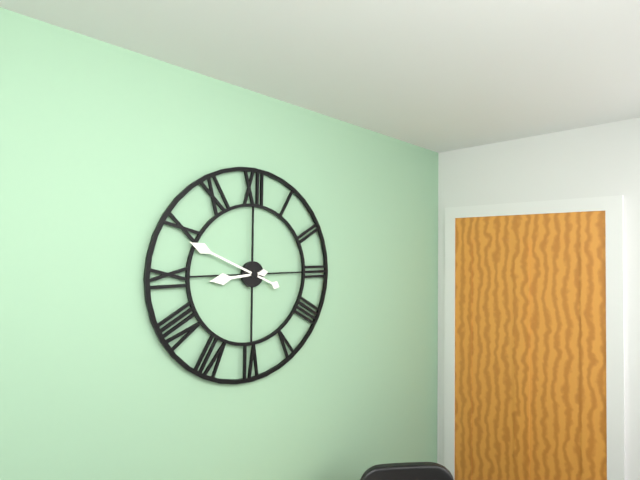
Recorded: 8.49
